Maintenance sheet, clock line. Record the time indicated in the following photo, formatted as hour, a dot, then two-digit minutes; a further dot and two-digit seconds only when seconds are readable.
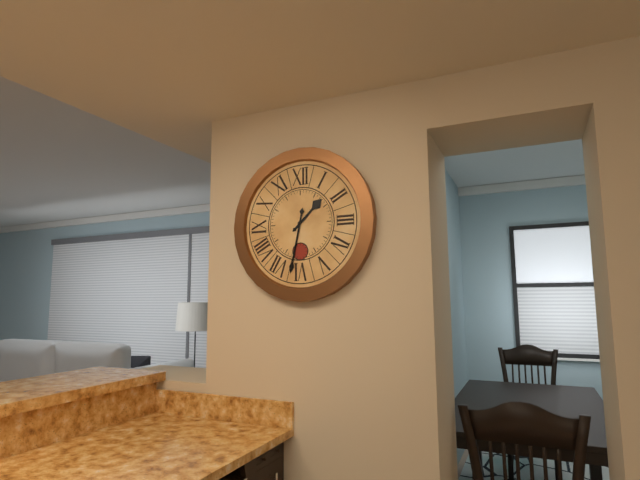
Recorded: 1.32
